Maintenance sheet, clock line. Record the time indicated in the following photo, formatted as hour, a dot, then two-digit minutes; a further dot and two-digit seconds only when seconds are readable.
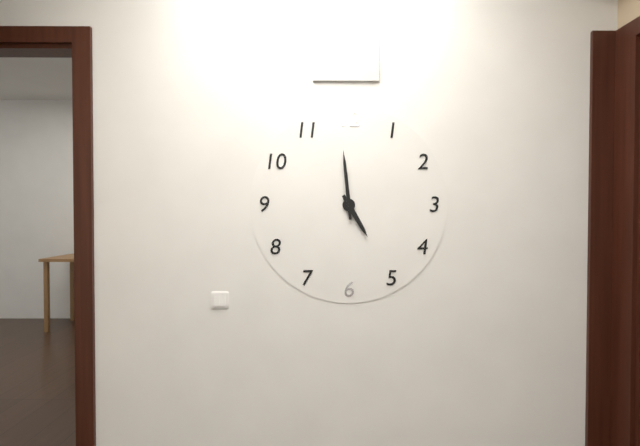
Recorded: 4.59
